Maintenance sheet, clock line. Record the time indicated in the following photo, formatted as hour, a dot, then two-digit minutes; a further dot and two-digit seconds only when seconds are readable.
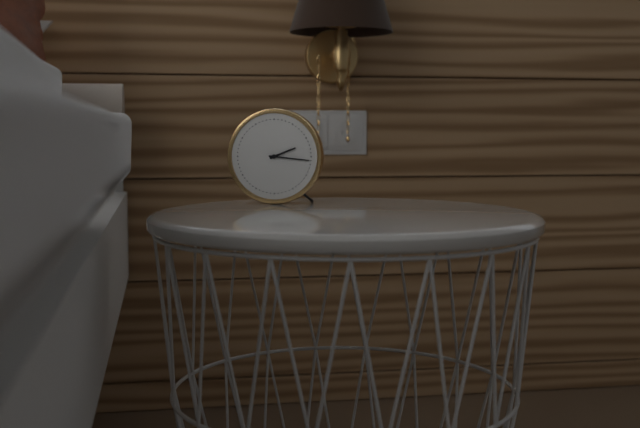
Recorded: 2.16
